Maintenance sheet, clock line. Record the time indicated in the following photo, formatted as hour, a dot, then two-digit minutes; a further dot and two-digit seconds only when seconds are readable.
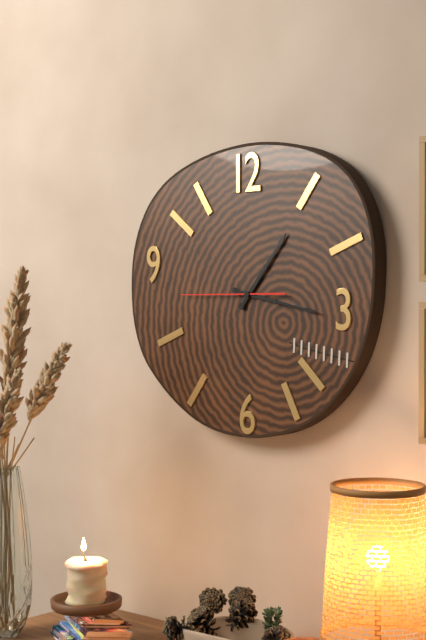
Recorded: 1.17.45
